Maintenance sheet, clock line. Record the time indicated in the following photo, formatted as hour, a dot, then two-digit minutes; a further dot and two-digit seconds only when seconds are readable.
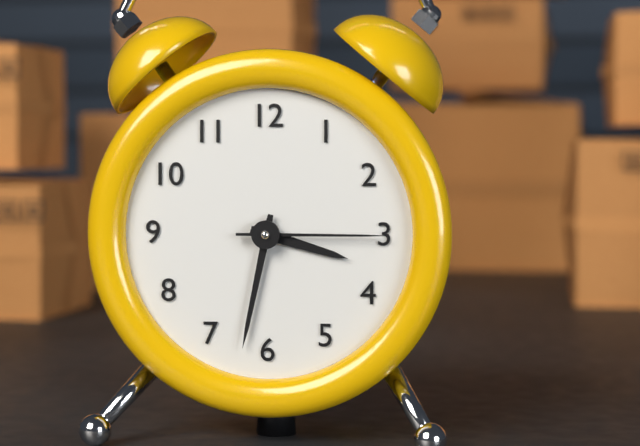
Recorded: 3.32.15
